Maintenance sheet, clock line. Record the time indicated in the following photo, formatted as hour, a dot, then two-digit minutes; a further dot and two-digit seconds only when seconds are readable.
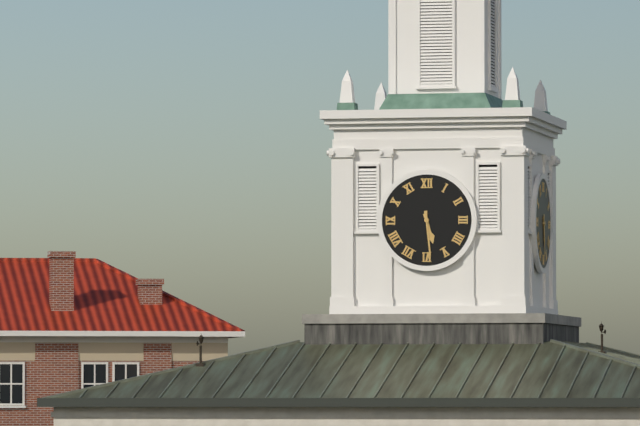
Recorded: 5.29
